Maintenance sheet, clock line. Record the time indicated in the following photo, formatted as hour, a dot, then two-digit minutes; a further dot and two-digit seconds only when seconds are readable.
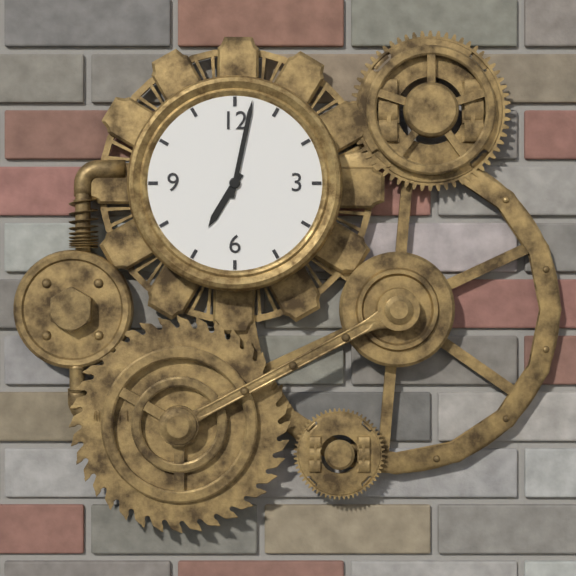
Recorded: 7.02
